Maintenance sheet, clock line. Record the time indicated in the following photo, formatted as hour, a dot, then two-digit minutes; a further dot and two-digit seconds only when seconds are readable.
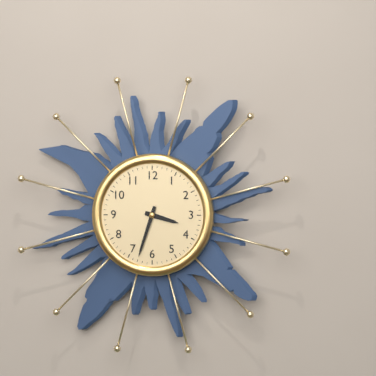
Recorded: 3.33
